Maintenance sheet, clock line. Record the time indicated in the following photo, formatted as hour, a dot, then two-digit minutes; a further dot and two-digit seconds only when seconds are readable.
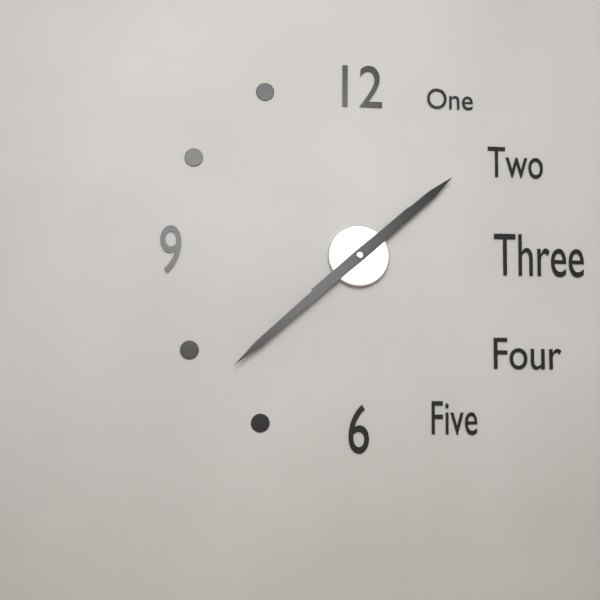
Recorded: 1.38
